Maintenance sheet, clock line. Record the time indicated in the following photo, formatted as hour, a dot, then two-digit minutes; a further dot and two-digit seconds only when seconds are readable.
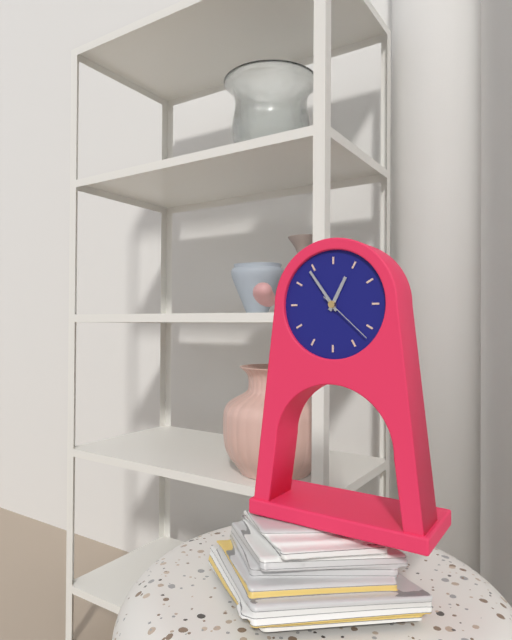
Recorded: 12.54.22
